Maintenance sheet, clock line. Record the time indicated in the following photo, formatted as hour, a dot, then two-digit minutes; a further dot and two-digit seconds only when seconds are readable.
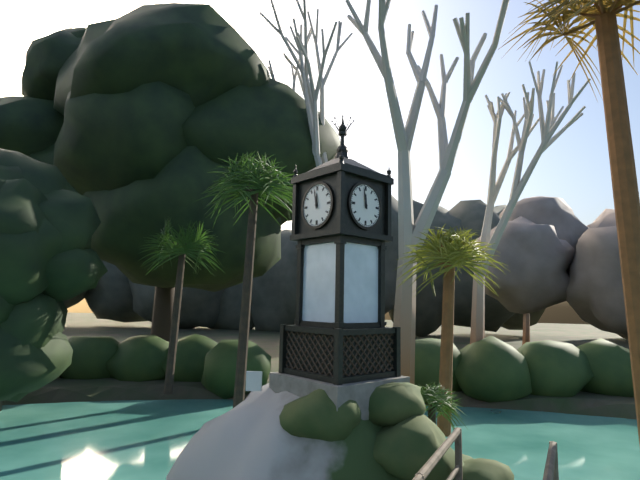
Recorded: 11.58
